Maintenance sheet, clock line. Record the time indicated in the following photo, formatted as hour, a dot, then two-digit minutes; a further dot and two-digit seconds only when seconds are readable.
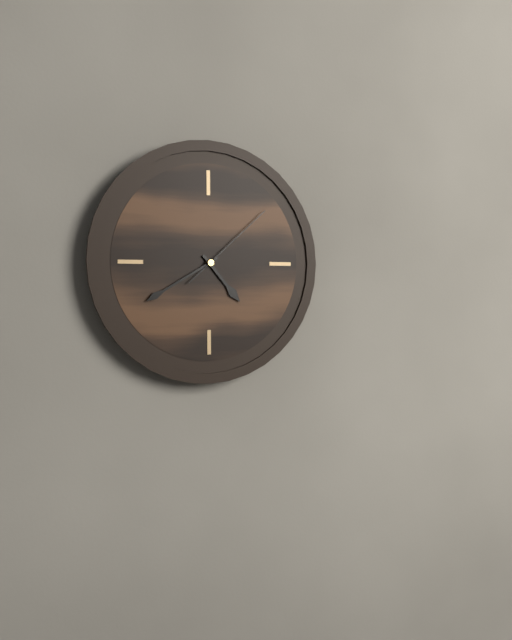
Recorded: 4.40.08
